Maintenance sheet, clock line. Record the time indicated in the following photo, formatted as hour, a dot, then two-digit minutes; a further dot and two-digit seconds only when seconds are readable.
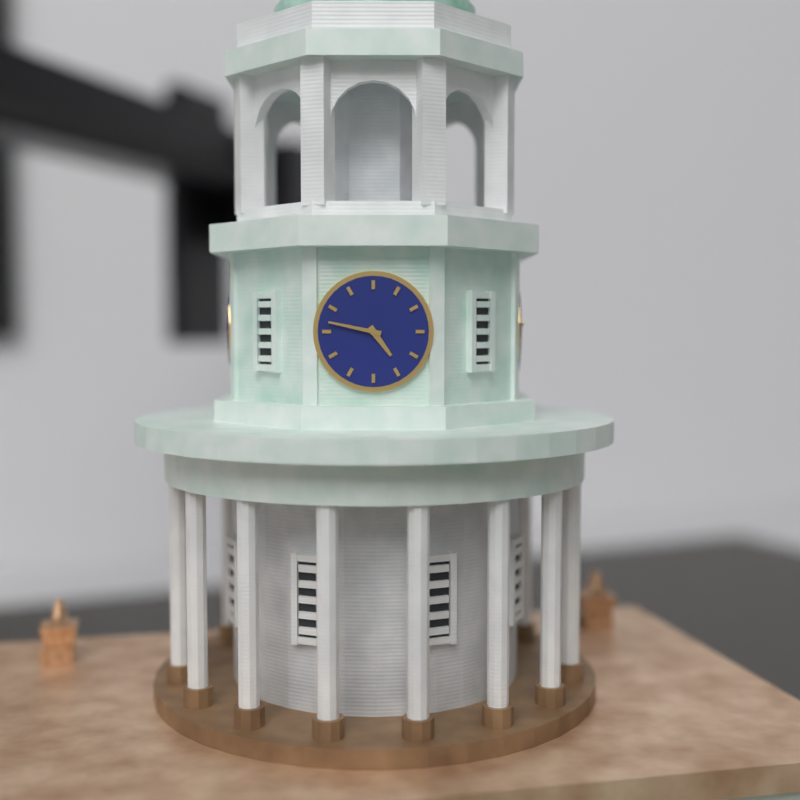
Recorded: 4.47
